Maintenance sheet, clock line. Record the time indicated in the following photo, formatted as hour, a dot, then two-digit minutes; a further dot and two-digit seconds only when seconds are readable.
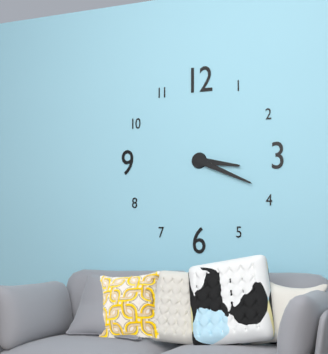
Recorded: 3.19
